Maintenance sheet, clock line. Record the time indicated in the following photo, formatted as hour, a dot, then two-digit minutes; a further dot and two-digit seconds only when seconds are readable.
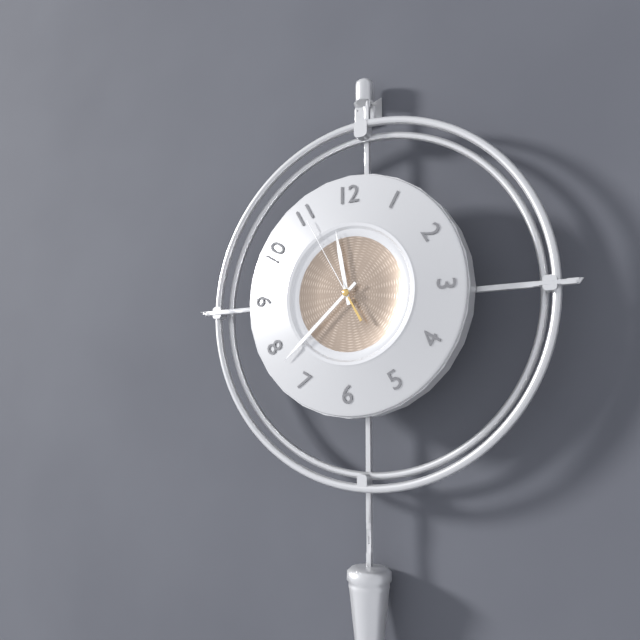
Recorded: 11.38.55
